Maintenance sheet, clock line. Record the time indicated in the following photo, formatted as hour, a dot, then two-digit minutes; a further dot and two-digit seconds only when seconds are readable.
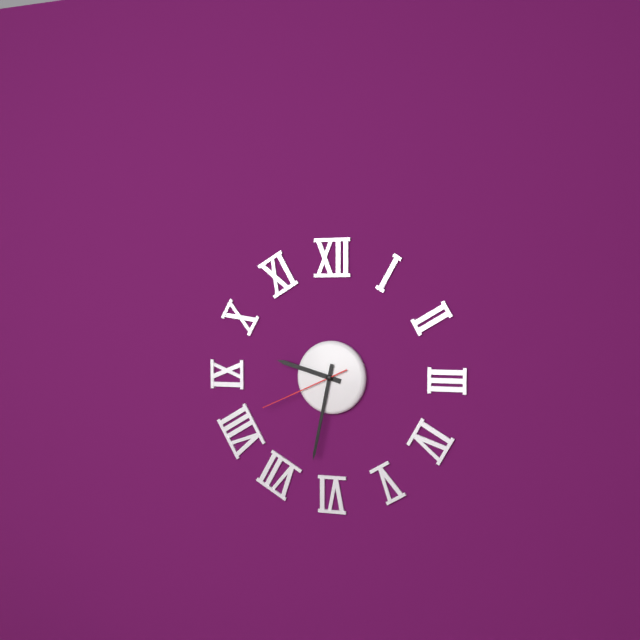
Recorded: 9.32.41
